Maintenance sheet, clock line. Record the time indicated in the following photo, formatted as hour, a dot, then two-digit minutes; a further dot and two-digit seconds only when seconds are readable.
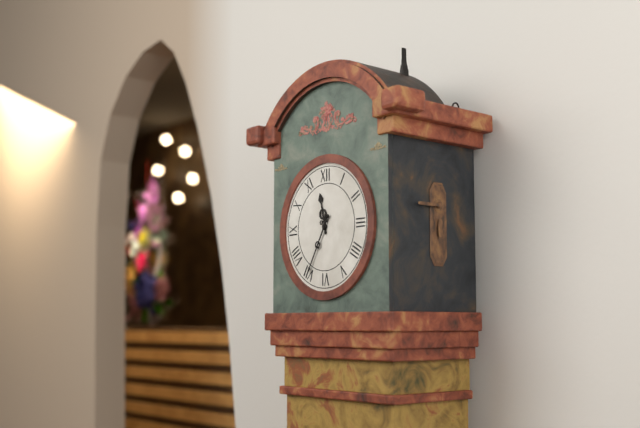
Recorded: 11.35
